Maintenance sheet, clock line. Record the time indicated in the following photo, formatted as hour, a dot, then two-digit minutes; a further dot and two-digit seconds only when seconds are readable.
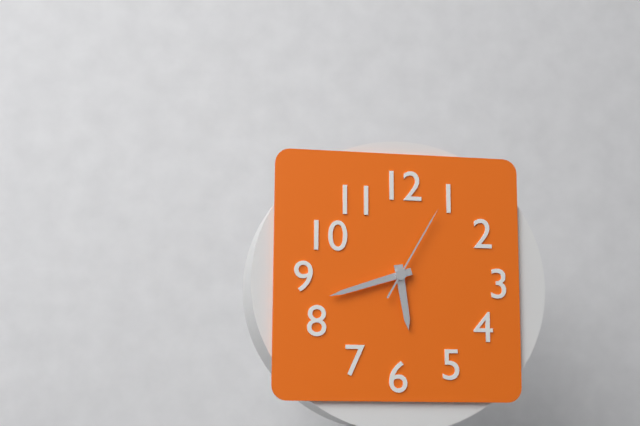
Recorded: 5.42.05
